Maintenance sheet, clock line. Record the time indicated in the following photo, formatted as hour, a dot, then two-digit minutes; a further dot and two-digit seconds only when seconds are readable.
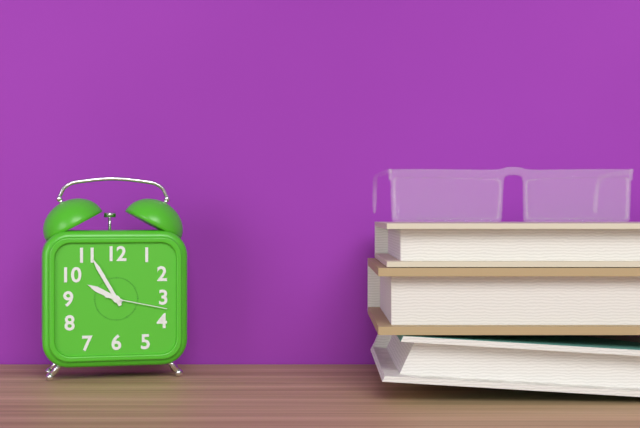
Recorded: 9.55.17
